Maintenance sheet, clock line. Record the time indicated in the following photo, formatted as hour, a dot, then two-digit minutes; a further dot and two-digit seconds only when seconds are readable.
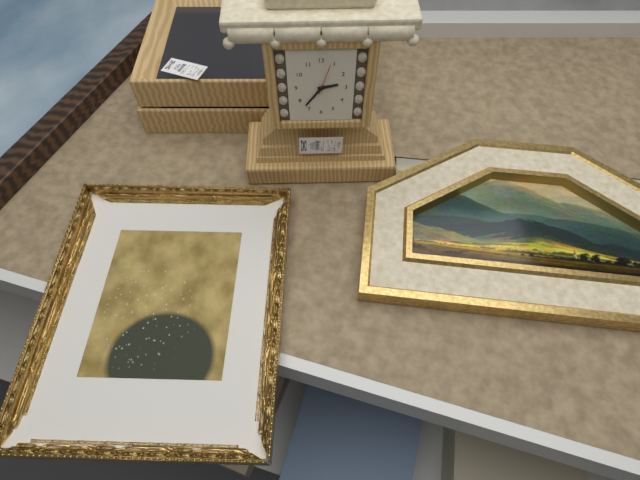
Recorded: 2.36
